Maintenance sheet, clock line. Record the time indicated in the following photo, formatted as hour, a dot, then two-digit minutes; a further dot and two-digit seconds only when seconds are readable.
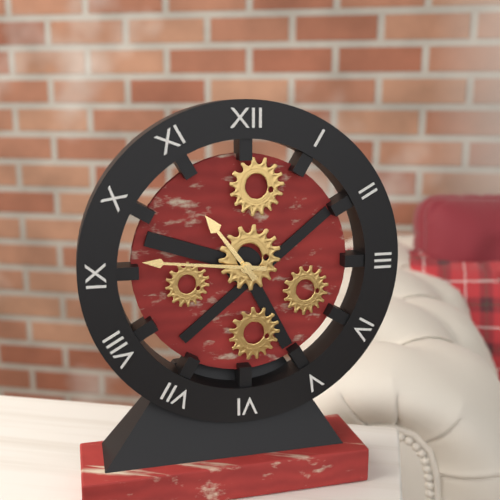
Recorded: 10.46
